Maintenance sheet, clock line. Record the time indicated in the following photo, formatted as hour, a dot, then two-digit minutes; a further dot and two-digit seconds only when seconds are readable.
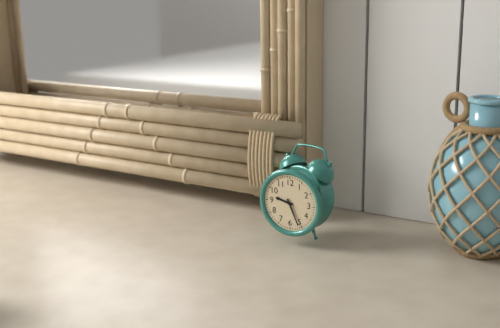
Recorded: 9.26
